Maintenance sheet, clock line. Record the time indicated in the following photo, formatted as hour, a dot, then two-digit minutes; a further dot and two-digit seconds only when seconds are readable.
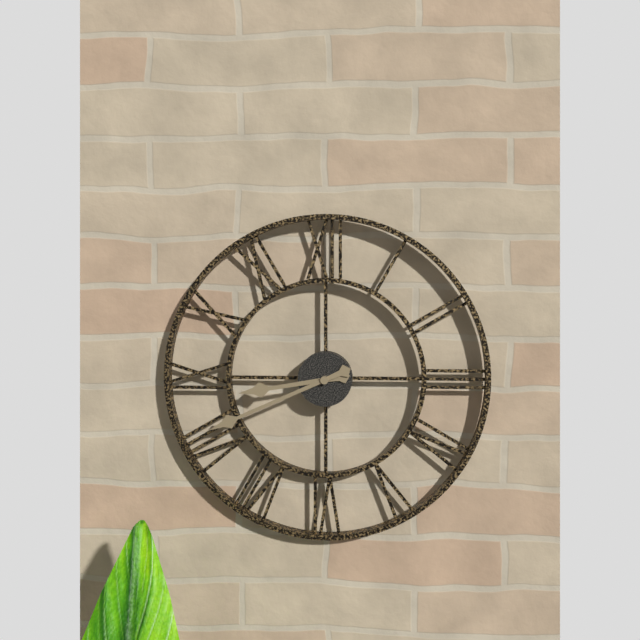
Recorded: 8.41
